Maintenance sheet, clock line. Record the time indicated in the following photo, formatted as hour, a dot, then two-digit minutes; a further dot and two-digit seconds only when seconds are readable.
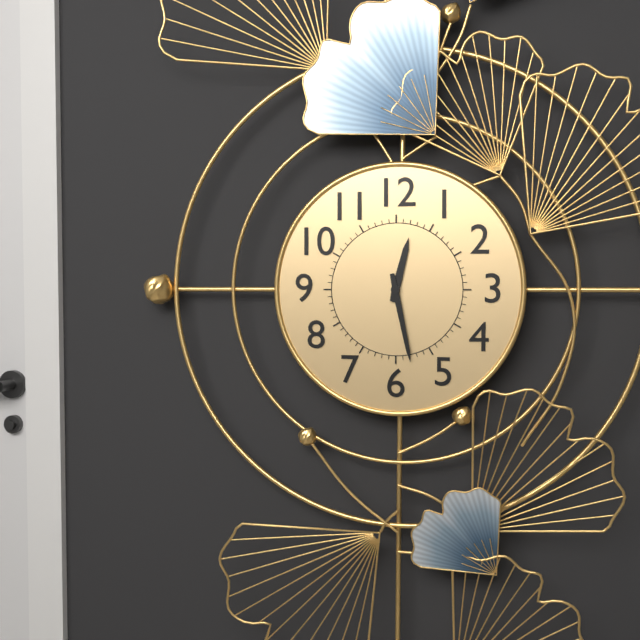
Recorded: 12.28
